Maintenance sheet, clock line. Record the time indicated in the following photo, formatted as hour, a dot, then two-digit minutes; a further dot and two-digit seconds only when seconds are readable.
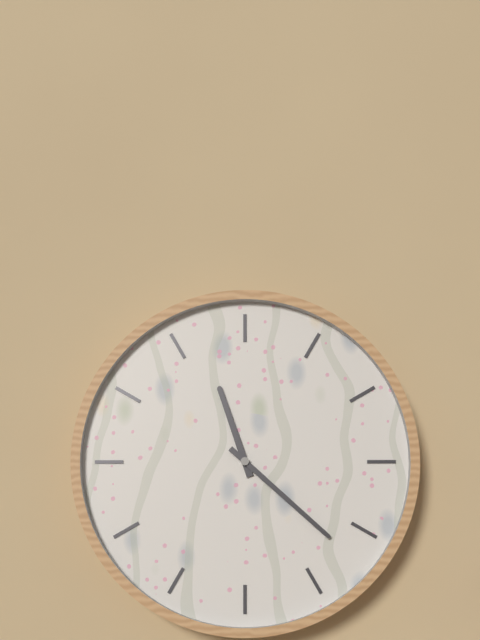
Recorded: 11.22
